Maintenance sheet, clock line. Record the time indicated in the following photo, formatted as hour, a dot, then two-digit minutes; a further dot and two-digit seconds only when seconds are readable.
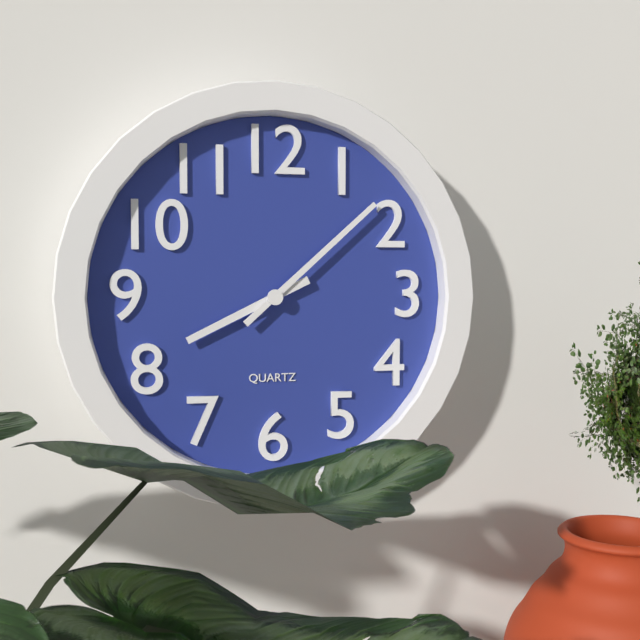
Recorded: 8.08
